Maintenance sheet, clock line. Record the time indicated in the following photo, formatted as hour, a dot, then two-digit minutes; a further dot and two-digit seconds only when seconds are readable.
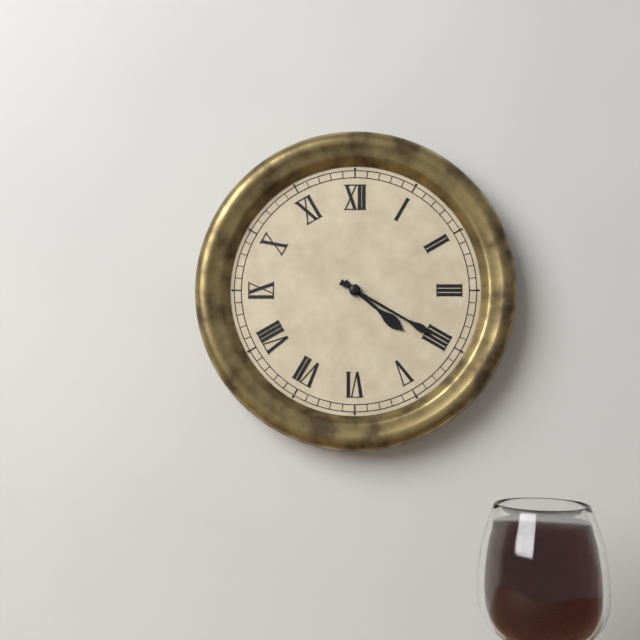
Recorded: 4.20
